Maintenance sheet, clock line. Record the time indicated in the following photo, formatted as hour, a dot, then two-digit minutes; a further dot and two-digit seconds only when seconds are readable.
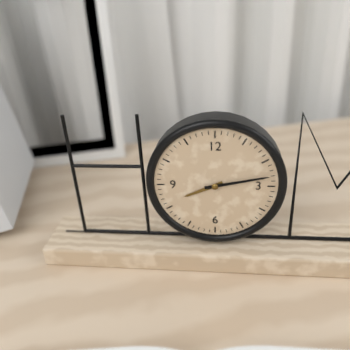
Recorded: 8.13
